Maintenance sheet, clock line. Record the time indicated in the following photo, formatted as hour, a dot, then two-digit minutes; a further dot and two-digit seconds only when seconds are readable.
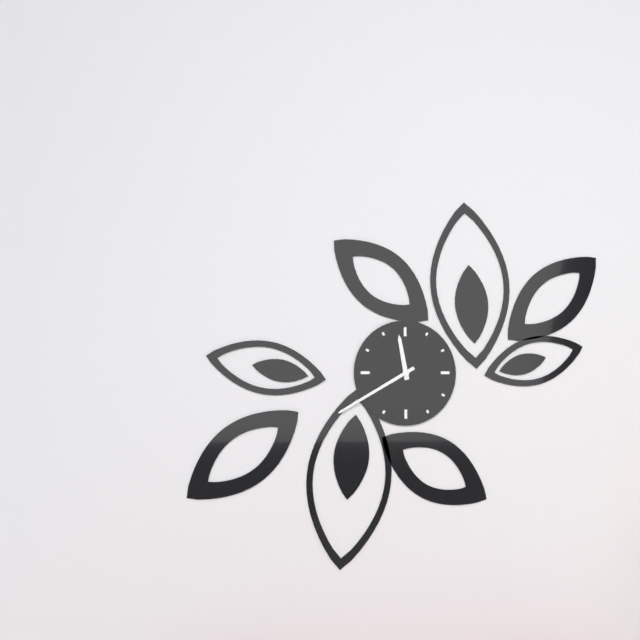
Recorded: 11.40
